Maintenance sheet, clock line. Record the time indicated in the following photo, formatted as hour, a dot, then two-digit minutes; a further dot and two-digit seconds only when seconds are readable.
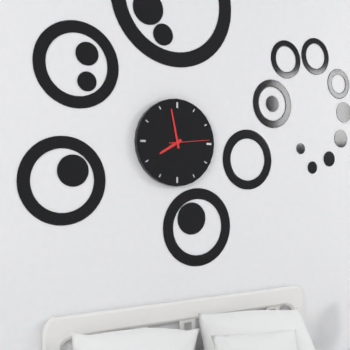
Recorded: 7.58
